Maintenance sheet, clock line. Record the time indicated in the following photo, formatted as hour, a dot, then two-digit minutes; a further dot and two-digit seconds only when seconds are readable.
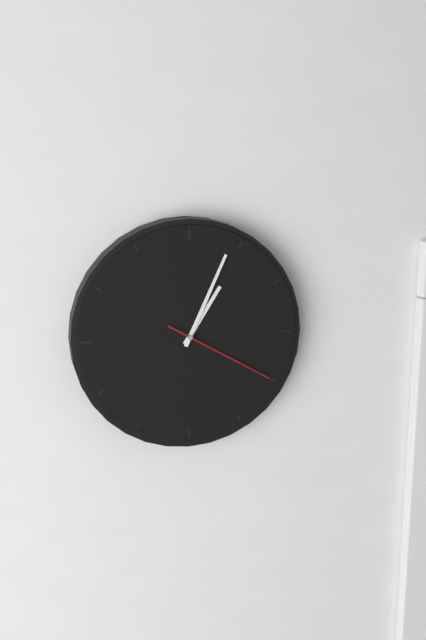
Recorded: 1.04.20
